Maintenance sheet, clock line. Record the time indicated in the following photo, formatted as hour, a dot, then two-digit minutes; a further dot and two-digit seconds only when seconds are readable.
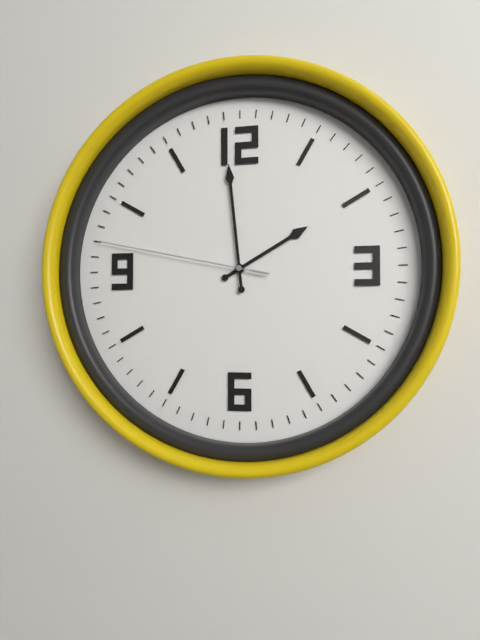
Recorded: 1.59.47
